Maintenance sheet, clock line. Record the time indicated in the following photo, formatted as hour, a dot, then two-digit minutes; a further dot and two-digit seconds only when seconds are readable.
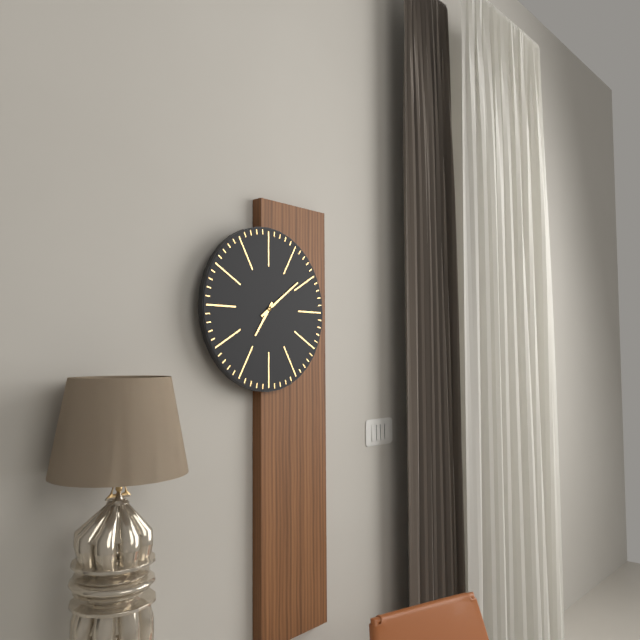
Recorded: 7.09
